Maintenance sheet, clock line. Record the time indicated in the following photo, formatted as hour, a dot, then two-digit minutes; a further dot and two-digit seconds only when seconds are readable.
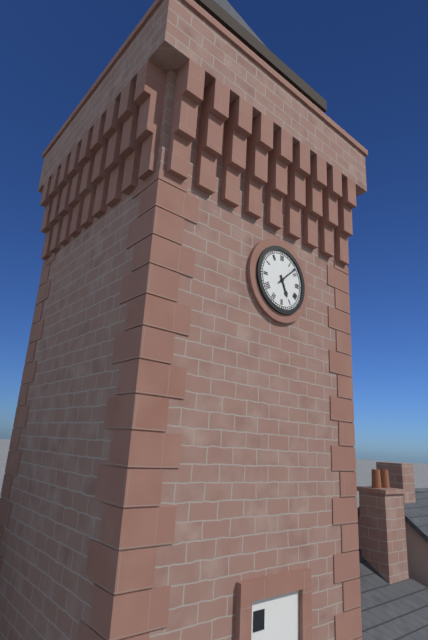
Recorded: 5.08
